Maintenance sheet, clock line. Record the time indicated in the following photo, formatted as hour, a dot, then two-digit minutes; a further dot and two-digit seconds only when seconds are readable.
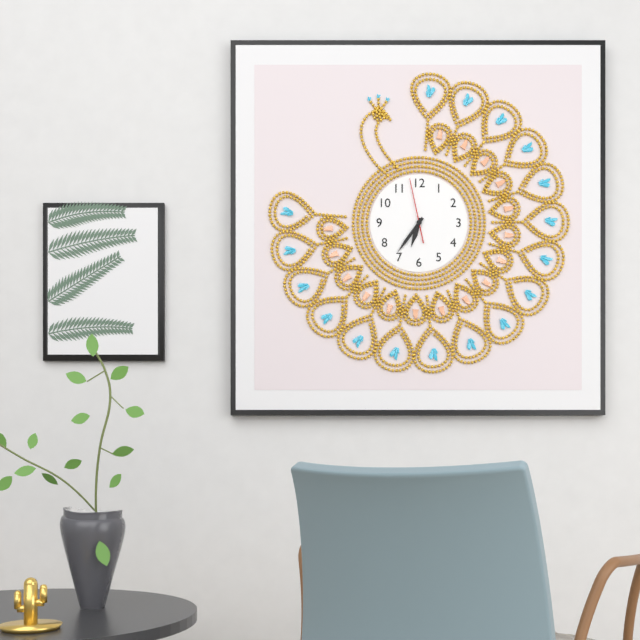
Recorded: 6.36.58
